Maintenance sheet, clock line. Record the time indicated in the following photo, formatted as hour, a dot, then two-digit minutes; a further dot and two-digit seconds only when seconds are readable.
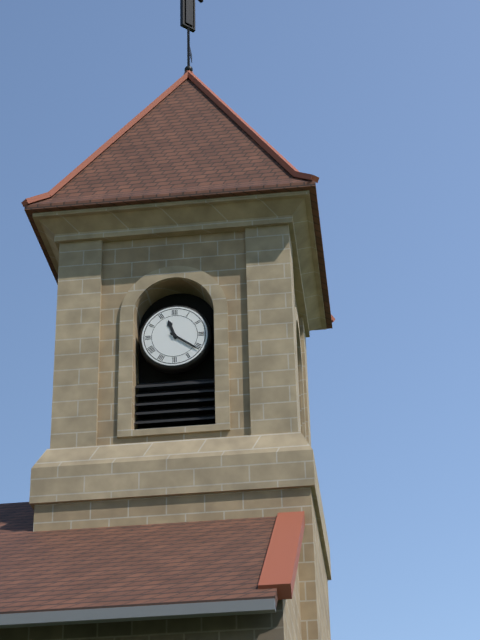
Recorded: 11.21
